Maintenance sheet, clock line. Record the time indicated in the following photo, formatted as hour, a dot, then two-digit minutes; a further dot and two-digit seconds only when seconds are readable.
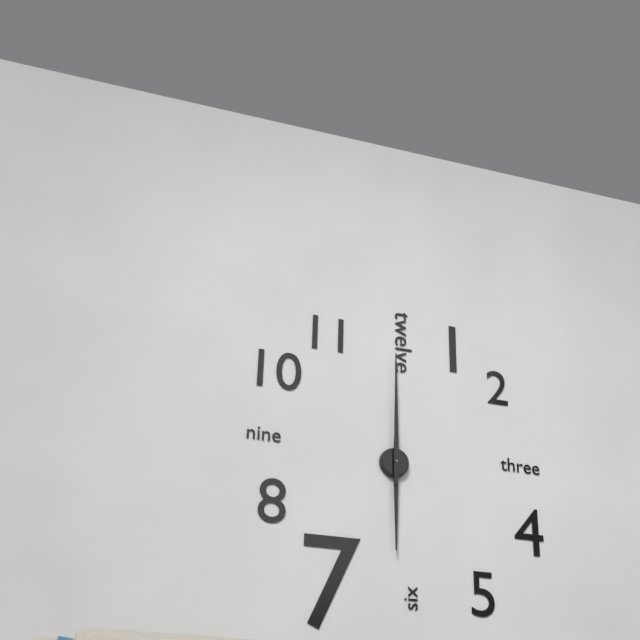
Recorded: 6.00
